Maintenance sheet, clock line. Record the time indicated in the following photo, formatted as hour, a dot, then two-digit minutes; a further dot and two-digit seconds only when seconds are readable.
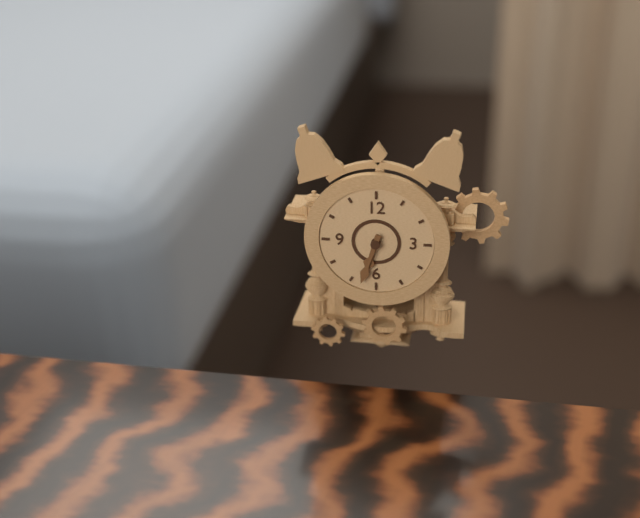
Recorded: 6.33
